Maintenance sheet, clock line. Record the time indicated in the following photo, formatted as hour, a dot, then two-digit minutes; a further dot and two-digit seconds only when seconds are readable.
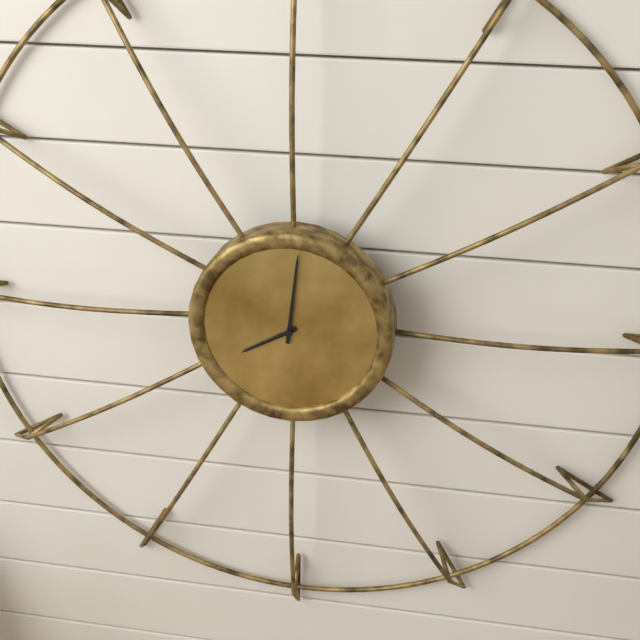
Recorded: 8.01
